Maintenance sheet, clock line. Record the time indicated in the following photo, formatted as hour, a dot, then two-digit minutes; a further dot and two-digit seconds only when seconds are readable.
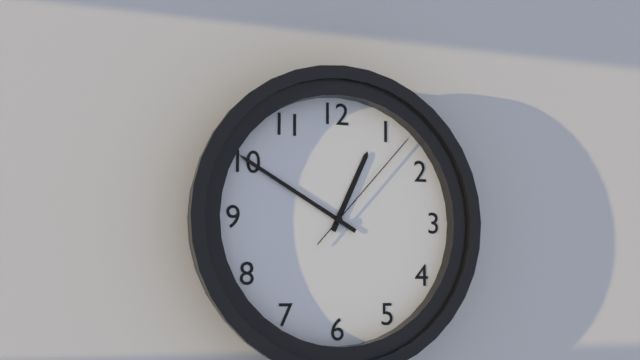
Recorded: 12.50.07
